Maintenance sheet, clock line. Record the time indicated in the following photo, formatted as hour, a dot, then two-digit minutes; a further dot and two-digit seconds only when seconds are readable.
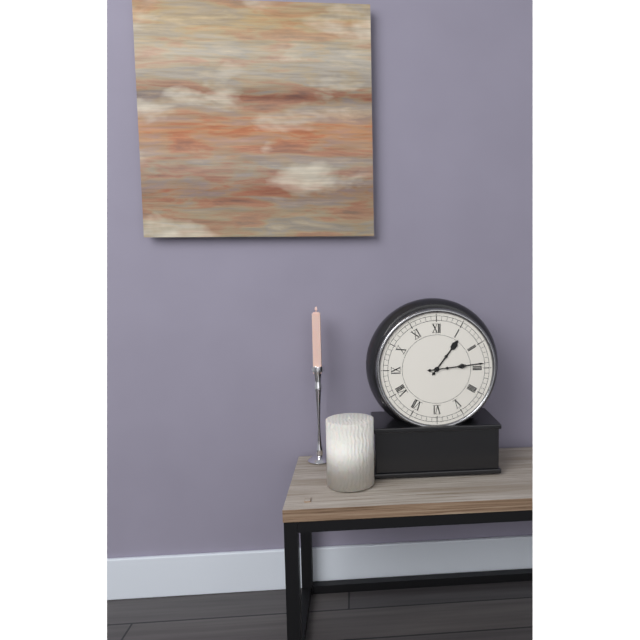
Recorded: 1.14
